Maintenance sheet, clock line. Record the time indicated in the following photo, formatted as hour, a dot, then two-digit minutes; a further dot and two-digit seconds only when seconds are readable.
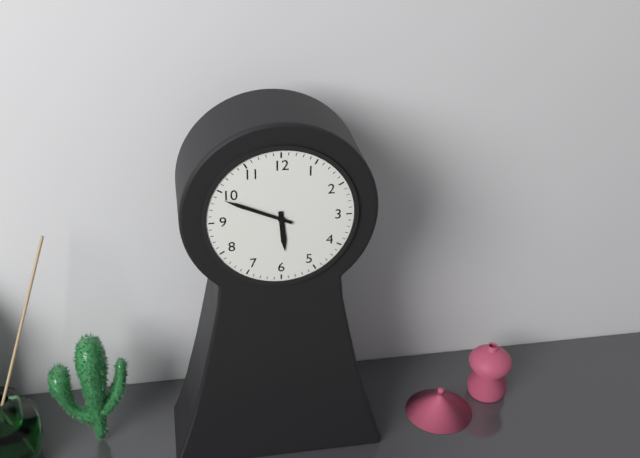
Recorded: 5.49
